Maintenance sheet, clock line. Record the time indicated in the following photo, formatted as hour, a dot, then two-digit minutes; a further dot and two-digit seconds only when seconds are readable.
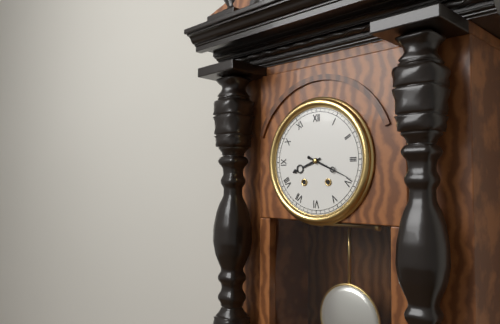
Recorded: 8.19
